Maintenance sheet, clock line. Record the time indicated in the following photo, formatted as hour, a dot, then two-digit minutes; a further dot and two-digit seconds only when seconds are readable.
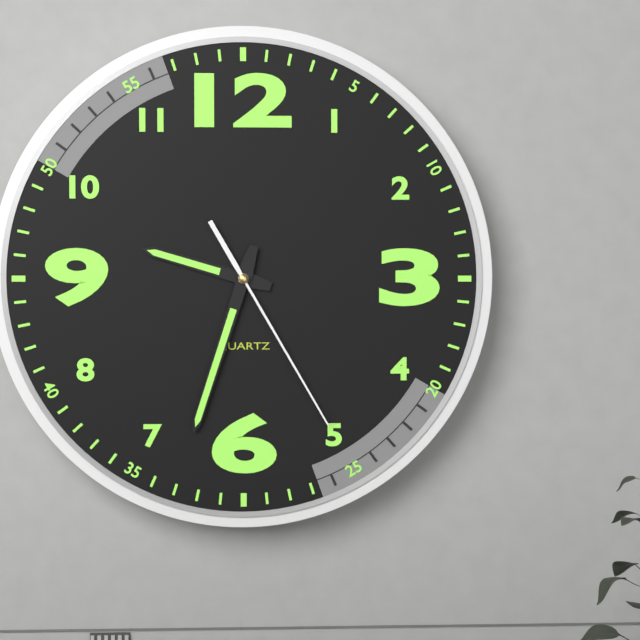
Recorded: 9.33.25
